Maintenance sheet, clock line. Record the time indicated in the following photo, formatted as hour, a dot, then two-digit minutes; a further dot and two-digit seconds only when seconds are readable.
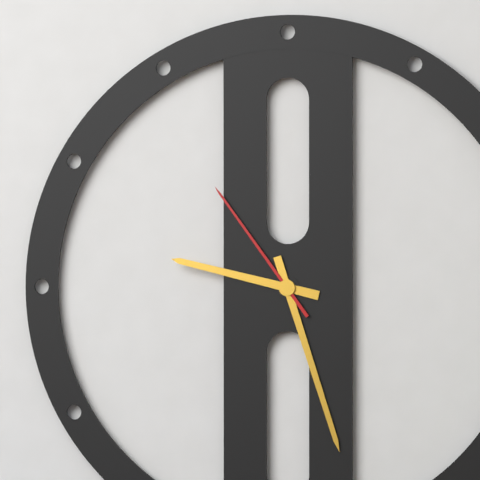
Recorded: 9.27.54
